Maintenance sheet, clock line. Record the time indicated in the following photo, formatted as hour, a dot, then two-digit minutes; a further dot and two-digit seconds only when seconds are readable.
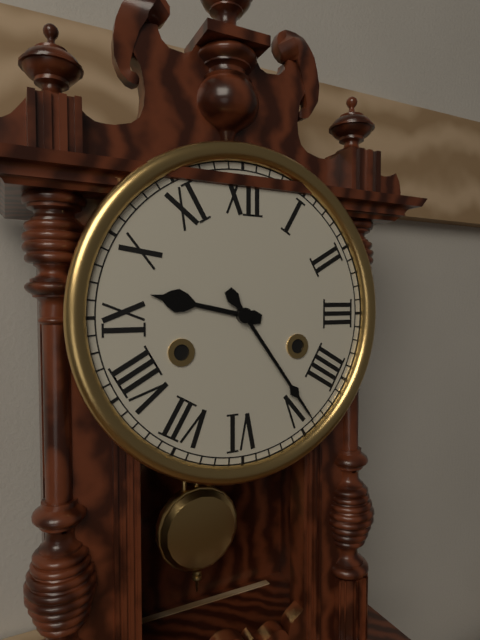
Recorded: 9.24
